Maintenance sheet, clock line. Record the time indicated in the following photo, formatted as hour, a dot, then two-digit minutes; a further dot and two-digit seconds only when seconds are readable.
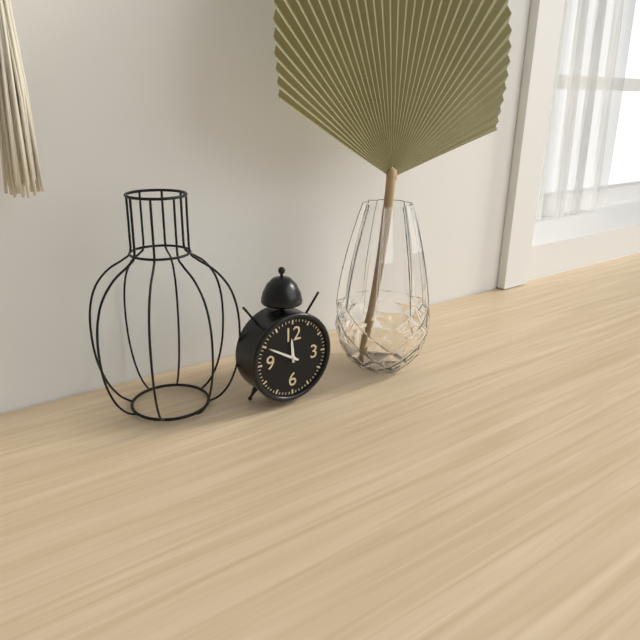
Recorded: 11.50
